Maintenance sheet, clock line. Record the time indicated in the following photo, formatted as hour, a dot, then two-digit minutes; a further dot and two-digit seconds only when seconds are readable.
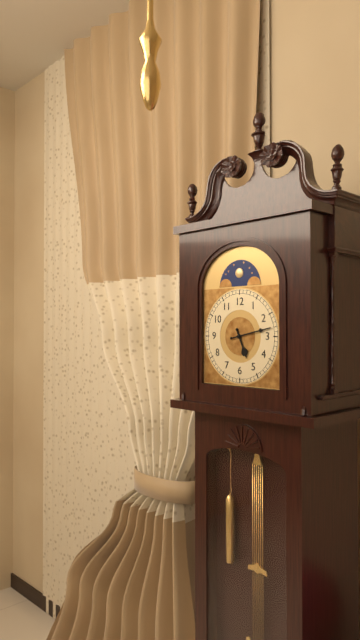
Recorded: 5.13
